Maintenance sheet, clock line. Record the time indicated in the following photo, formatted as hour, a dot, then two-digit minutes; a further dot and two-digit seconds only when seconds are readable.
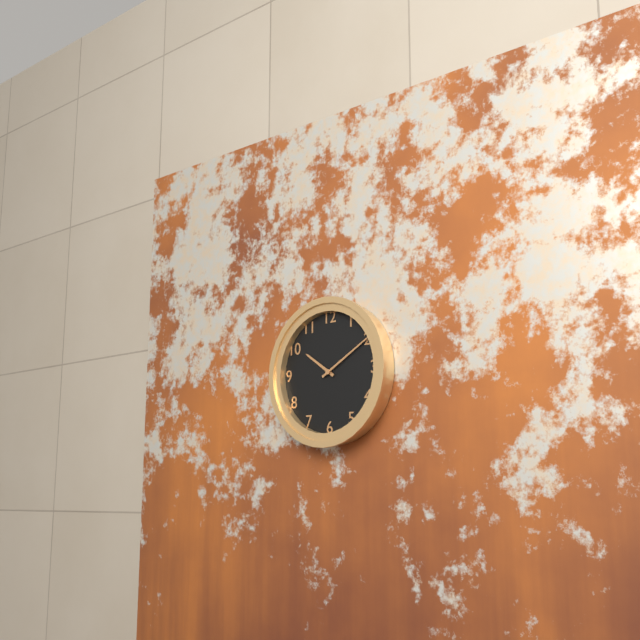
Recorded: 10.10
